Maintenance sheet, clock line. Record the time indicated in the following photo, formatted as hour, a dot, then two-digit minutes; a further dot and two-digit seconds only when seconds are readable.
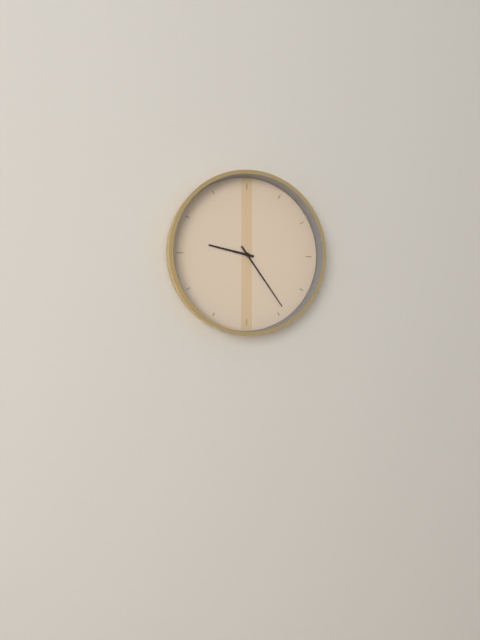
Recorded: 9.24
